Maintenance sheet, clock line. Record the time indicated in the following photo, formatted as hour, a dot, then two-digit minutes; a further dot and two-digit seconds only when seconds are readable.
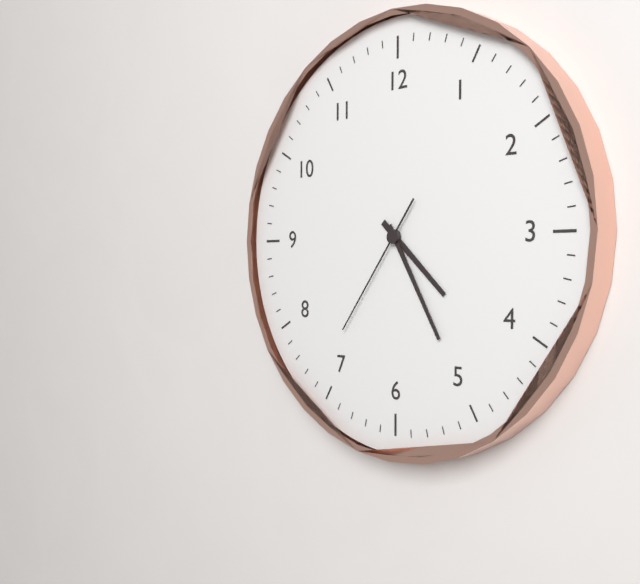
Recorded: 4.25.36
